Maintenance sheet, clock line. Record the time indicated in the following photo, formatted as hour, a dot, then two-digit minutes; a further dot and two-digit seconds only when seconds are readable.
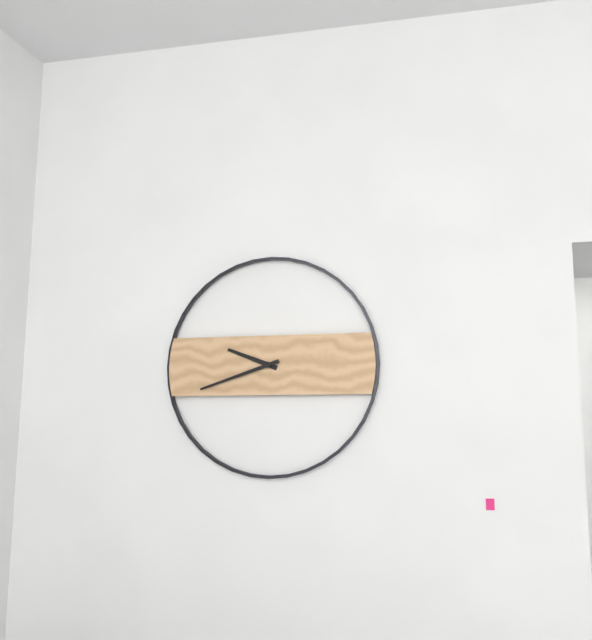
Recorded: 9.42
